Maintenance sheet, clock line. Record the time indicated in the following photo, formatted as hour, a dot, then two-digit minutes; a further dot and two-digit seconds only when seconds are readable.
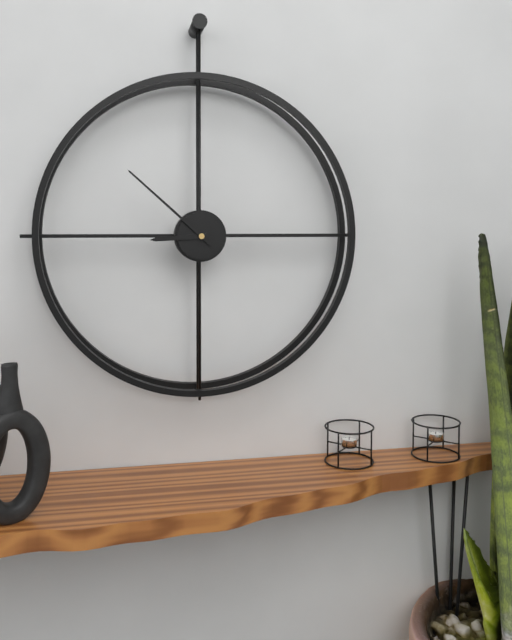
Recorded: 8.52
